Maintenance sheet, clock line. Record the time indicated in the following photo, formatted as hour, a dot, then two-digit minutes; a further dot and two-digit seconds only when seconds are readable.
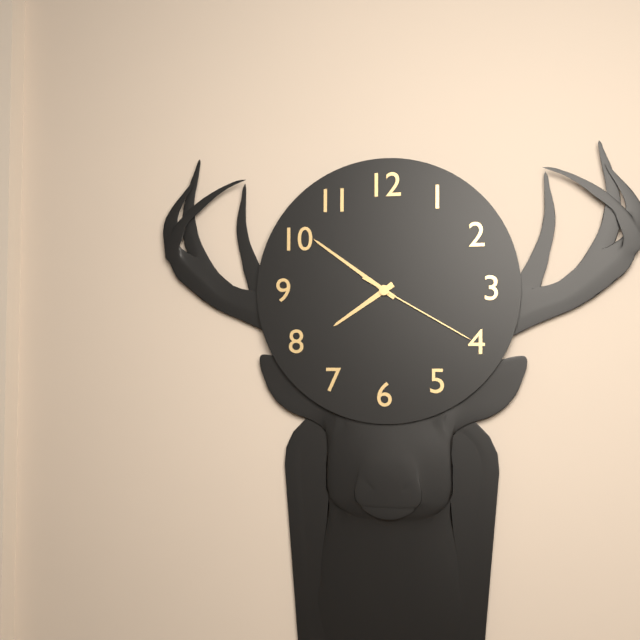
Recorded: 7.51.20
